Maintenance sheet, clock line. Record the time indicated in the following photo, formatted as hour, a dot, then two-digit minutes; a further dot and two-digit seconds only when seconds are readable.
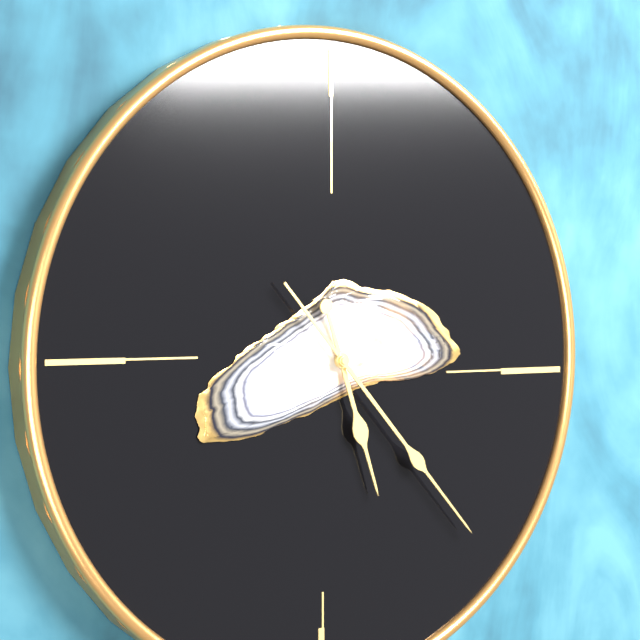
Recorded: 5.23
